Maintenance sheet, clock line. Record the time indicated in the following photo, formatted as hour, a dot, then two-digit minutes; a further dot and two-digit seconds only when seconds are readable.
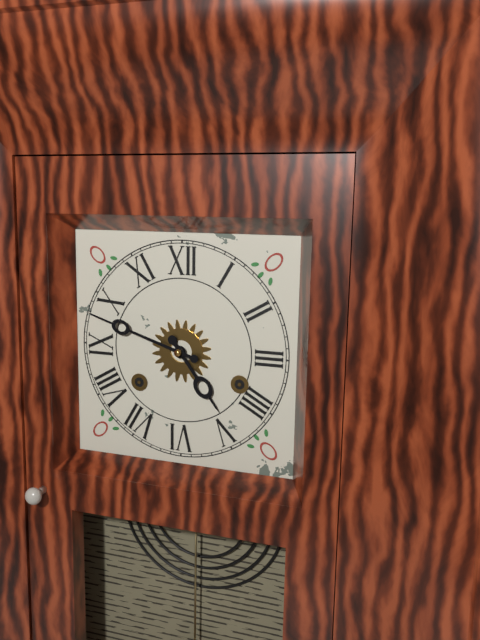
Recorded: 4.48
